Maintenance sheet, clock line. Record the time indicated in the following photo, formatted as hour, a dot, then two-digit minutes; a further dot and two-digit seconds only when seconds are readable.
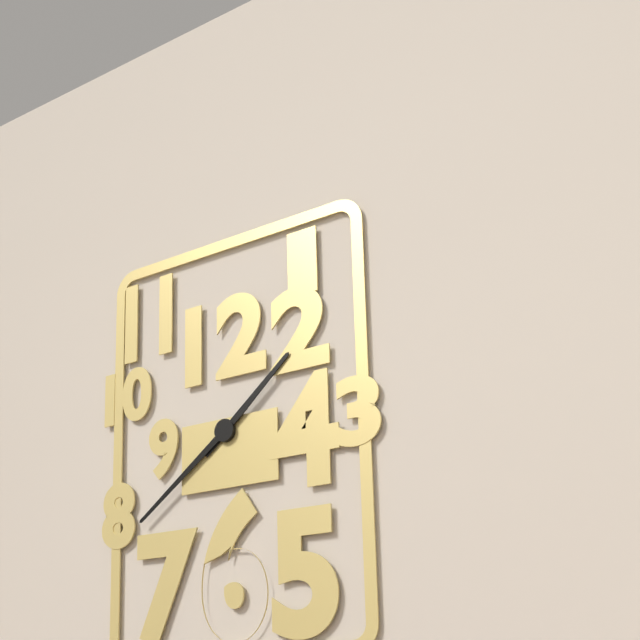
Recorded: 1.39
